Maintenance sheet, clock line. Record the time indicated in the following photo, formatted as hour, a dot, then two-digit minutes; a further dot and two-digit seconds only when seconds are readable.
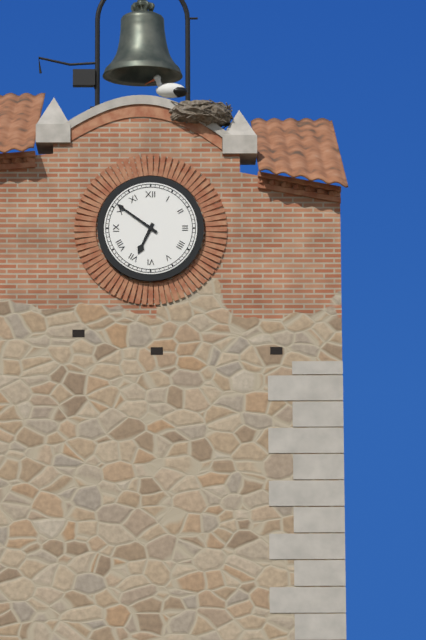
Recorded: 6.51
